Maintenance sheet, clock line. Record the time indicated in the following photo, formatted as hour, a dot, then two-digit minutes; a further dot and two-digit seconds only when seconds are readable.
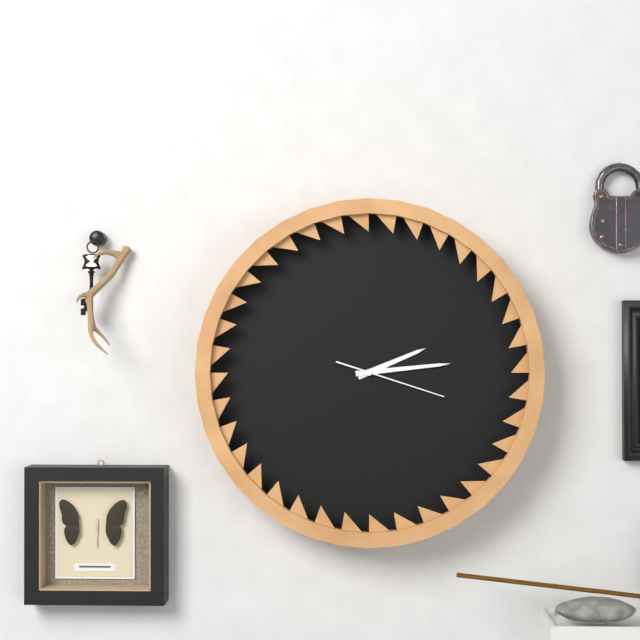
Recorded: 2.14.18
